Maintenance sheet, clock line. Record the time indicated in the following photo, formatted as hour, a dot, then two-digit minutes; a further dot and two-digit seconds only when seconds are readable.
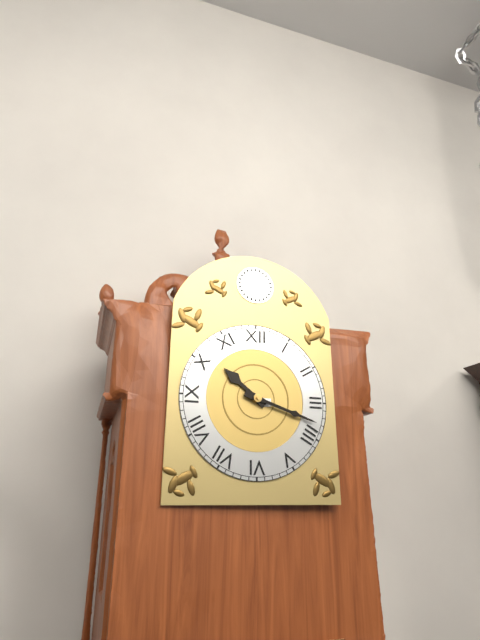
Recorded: 10.18
